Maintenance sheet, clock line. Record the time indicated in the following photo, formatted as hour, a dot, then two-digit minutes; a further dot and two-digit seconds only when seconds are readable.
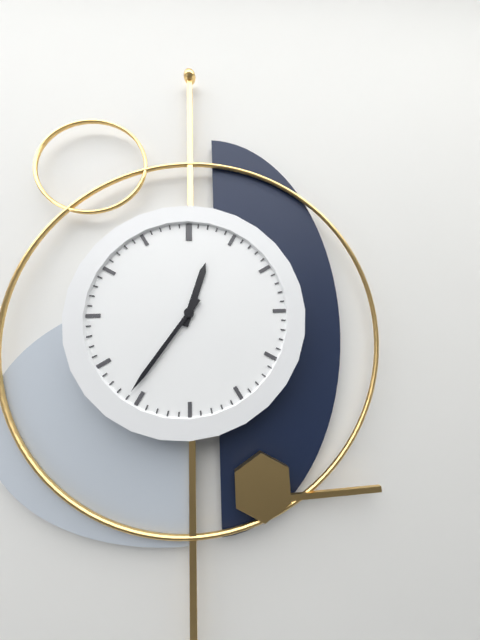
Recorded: 12.36
